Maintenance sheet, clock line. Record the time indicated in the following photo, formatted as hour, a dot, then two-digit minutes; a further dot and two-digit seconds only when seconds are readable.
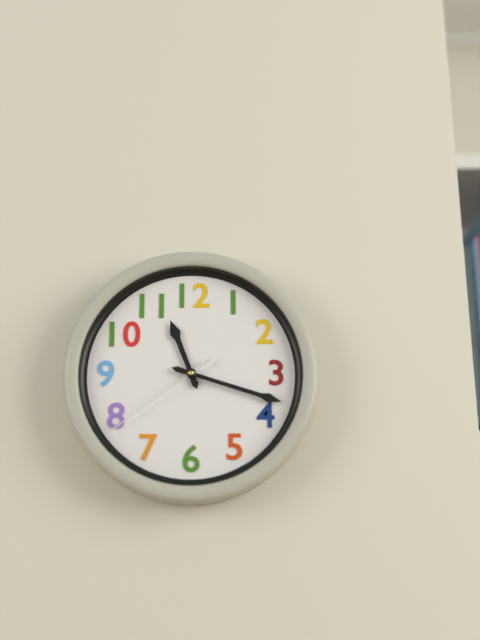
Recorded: 11.18.39
